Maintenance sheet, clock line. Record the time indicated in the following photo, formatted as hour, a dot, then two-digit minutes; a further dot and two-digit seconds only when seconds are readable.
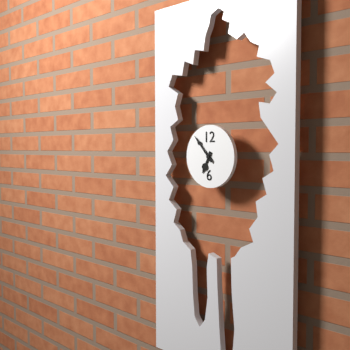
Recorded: 6.53
